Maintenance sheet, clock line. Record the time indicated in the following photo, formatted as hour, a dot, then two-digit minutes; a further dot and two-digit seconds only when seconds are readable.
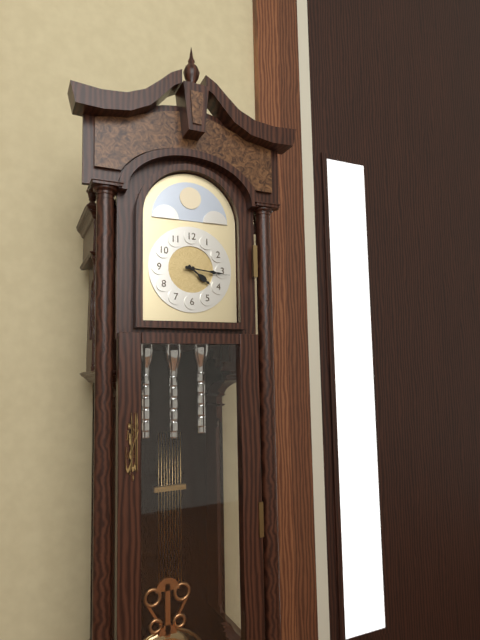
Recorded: 4.16
